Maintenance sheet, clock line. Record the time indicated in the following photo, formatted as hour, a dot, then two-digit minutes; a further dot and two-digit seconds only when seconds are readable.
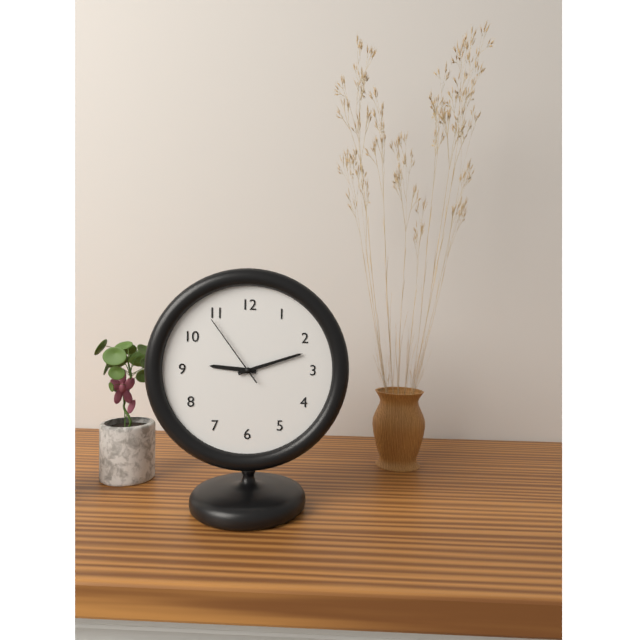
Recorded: 9.12.54
